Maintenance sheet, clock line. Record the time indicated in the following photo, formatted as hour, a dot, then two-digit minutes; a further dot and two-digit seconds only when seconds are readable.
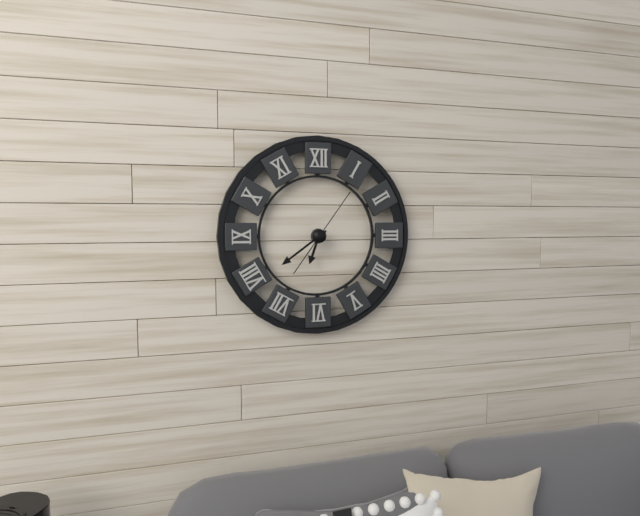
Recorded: 6.39.06
